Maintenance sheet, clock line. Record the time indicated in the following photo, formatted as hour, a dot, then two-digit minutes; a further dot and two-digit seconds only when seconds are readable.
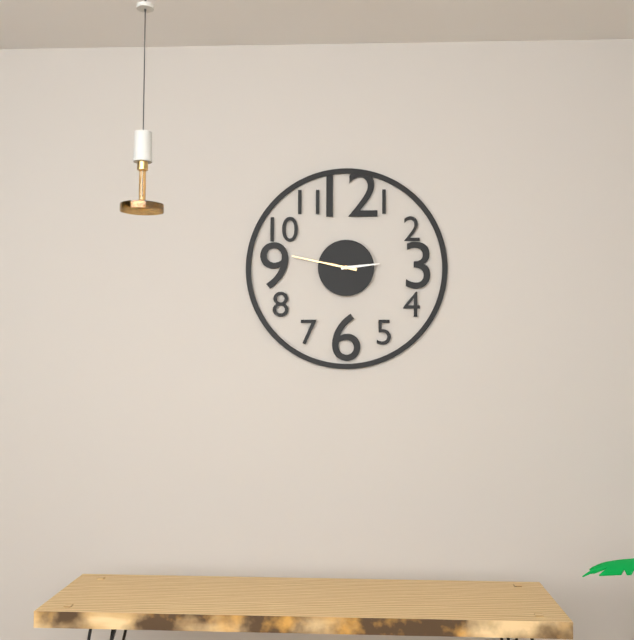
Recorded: 2.47
